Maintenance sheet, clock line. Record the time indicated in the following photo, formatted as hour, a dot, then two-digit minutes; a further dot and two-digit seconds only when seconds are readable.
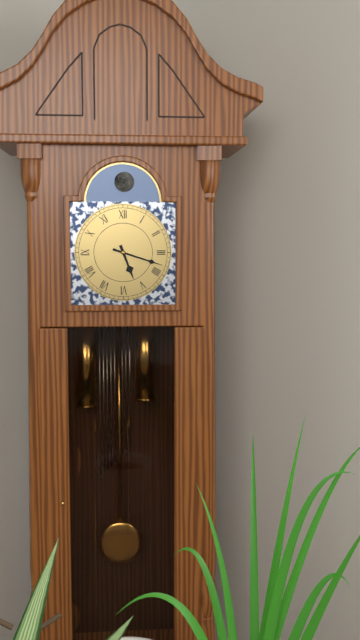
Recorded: 5.18
